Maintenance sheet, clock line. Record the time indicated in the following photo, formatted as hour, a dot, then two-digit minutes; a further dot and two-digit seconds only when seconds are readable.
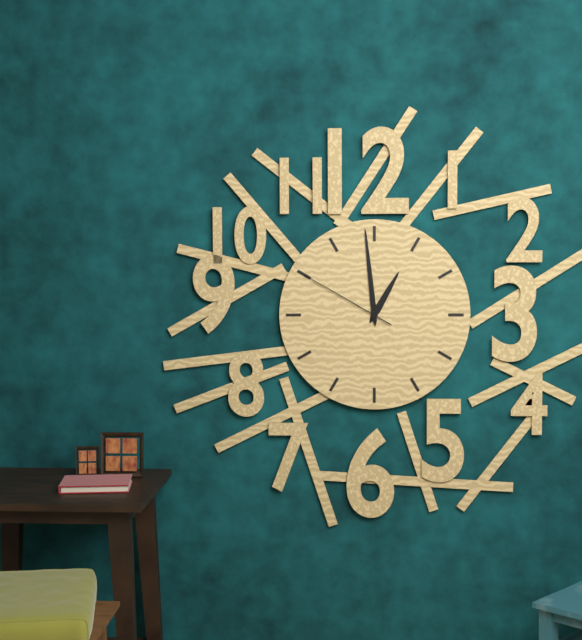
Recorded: 12.59.50
